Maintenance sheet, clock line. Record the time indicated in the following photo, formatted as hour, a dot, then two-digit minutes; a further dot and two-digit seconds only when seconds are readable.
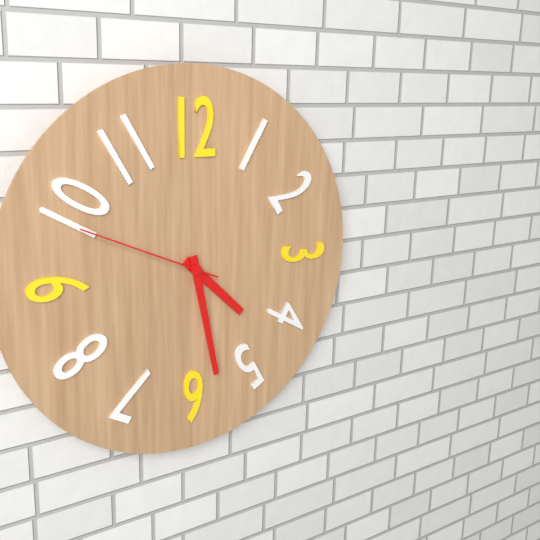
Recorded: 4.28.49
